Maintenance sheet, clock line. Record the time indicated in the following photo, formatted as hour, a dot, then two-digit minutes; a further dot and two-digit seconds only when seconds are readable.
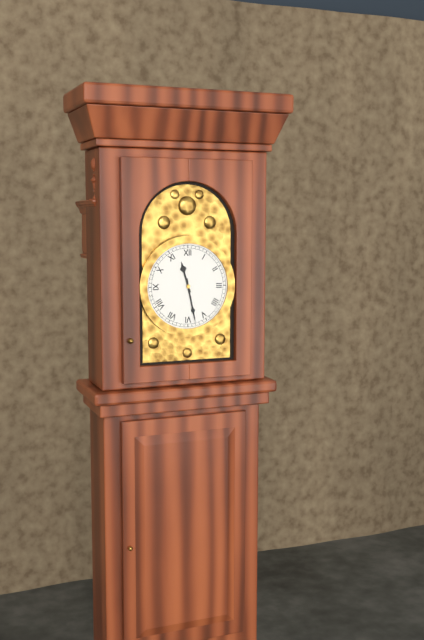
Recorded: 11.28
